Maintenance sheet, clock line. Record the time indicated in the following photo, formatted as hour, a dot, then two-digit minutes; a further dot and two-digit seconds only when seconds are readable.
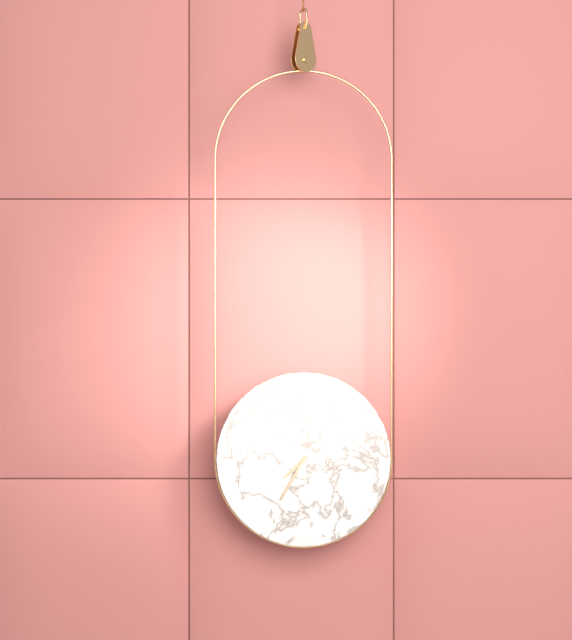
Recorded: 7.35
